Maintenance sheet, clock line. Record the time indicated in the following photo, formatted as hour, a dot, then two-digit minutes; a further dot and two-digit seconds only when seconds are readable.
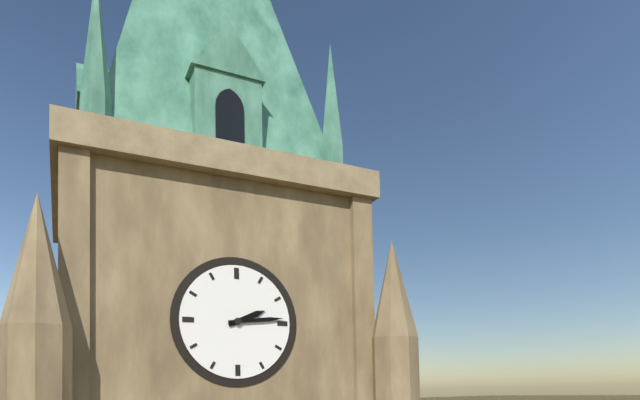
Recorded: 2.14
